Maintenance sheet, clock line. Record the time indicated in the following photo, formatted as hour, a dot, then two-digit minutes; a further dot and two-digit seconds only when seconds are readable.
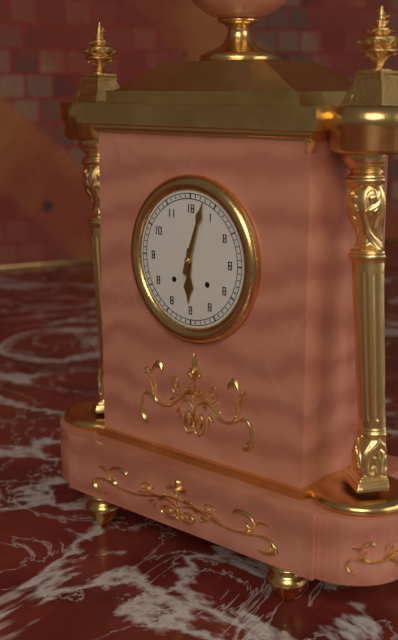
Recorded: 6.03
